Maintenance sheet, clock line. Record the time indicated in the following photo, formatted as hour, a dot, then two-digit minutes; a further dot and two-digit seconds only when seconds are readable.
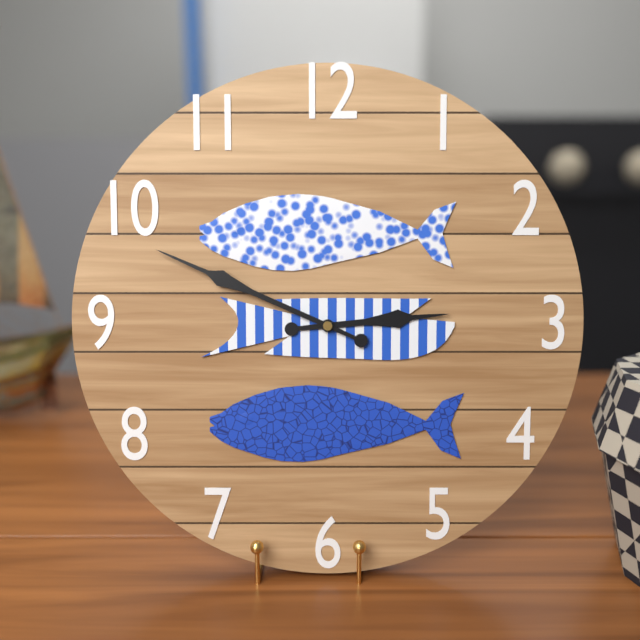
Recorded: 2.49
